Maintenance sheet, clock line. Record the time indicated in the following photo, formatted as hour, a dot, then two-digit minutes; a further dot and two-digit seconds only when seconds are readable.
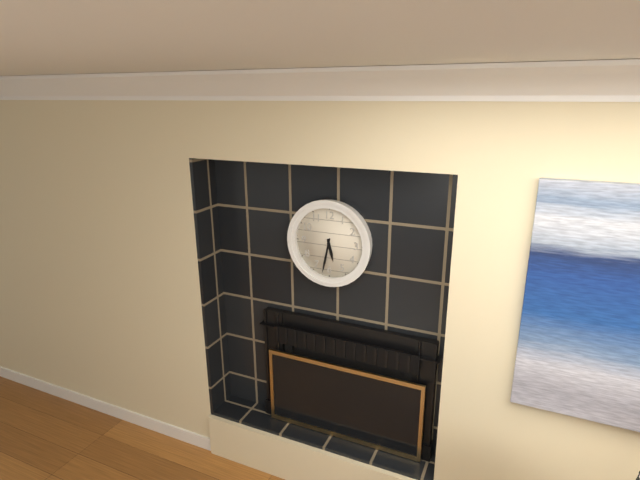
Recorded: 5.32
